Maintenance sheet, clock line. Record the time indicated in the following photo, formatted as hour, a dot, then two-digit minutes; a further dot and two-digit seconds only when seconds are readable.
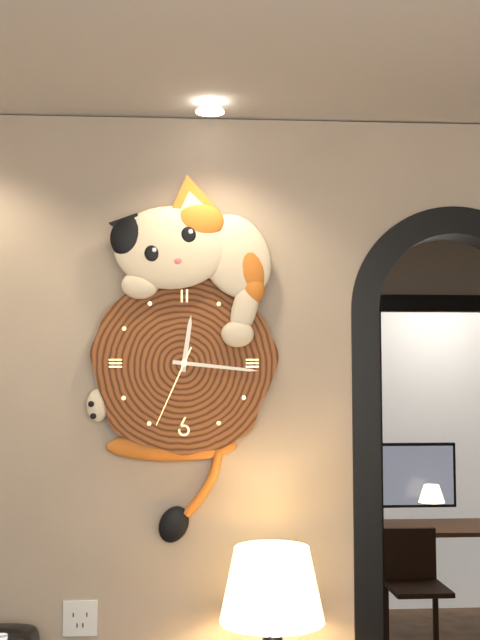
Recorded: 12.16.34
